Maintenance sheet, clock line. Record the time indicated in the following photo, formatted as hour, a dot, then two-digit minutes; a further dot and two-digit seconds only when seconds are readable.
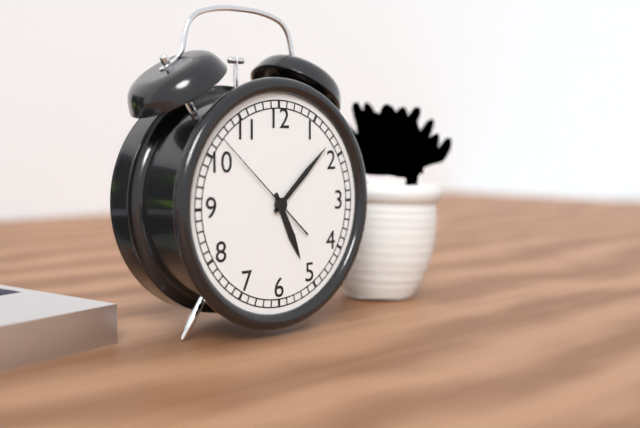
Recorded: 5.08.52
